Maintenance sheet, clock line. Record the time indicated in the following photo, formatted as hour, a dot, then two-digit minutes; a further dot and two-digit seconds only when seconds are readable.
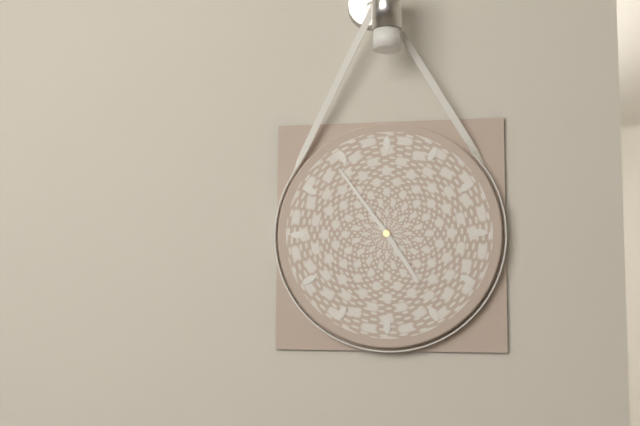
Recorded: 4.54
